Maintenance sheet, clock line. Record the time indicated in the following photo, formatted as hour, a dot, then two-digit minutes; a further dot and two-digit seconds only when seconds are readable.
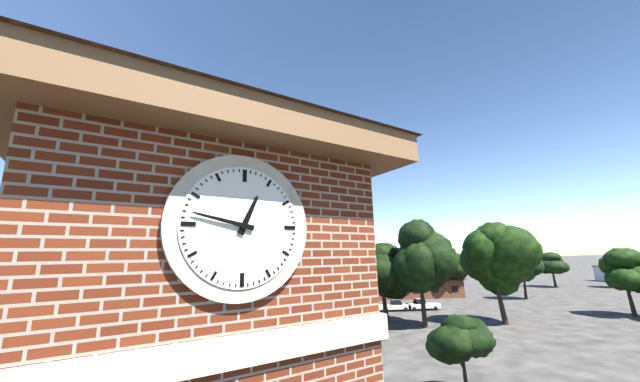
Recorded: 12.47
